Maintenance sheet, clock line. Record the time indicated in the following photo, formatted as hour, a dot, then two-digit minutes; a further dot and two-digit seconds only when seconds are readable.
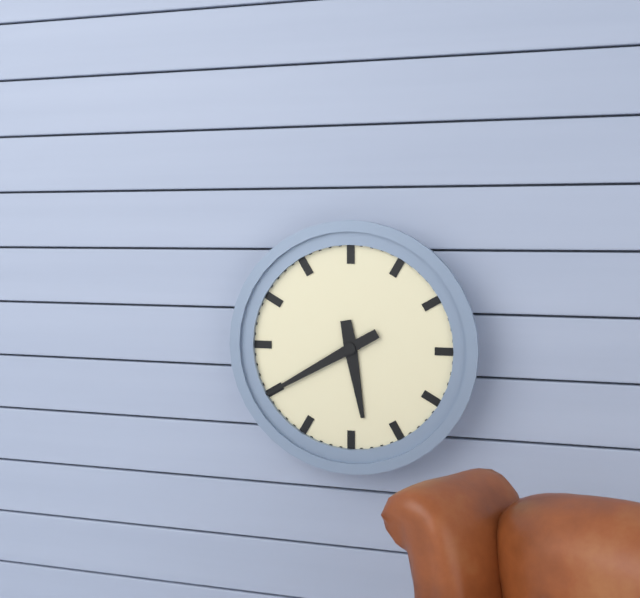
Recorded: 5.40
